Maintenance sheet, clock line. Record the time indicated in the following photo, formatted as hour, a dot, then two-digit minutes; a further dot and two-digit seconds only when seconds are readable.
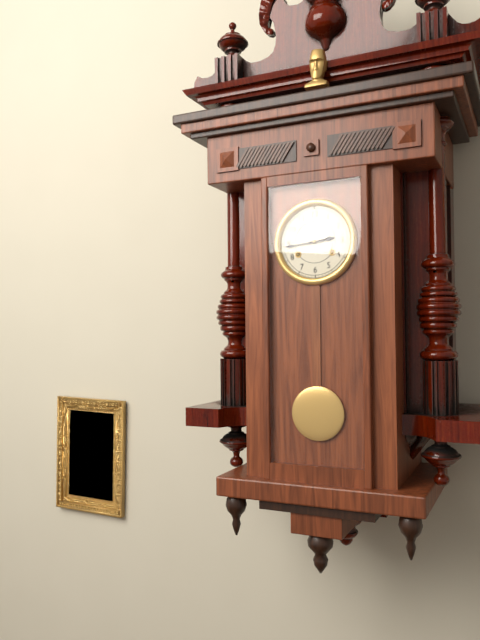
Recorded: 2.44
